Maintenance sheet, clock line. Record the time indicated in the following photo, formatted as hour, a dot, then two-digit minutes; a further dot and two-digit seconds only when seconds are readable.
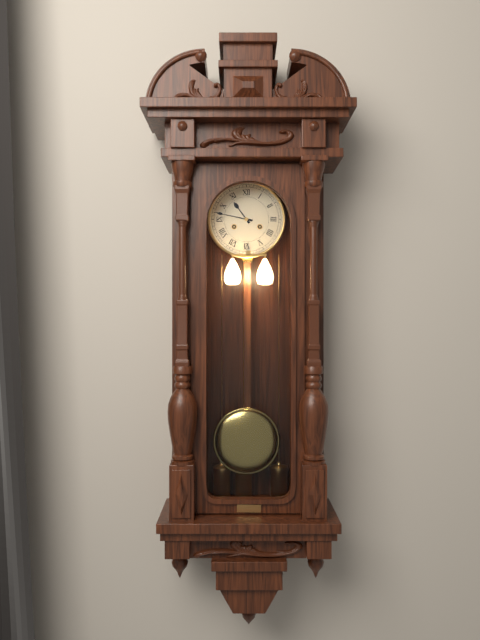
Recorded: 10.47
